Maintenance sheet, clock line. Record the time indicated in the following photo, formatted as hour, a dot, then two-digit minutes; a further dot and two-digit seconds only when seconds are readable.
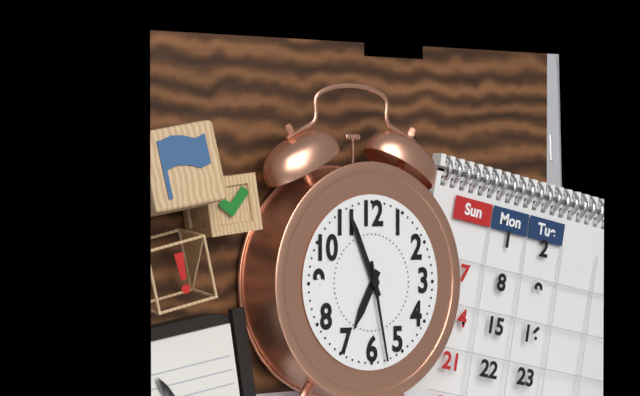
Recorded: 6.56.28
